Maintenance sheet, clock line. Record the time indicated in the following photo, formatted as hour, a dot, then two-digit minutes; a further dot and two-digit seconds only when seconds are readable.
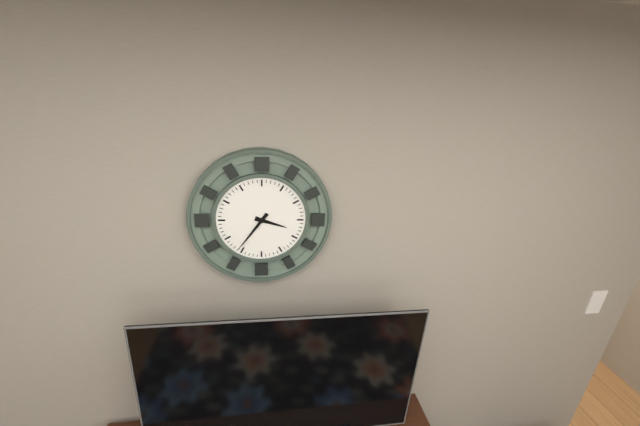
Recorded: 3.36
